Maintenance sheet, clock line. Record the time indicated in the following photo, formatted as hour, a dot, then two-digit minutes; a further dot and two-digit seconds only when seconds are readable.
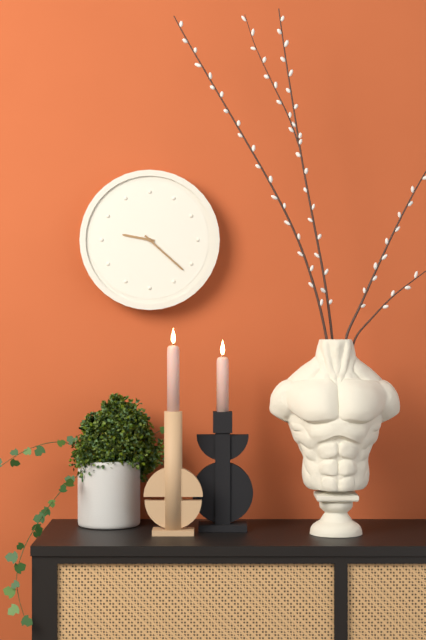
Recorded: 9.22
